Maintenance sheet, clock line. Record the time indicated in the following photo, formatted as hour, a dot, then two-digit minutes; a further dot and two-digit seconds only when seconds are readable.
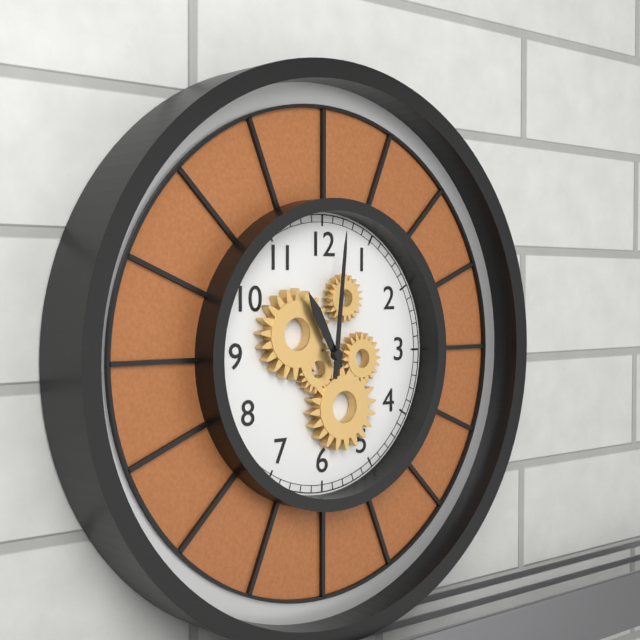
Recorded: 11.01
